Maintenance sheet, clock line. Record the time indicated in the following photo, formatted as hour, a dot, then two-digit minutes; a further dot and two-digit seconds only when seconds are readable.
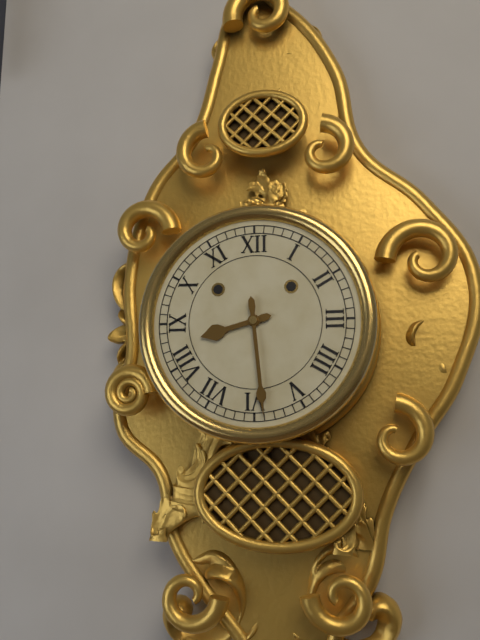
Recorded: 8.29
